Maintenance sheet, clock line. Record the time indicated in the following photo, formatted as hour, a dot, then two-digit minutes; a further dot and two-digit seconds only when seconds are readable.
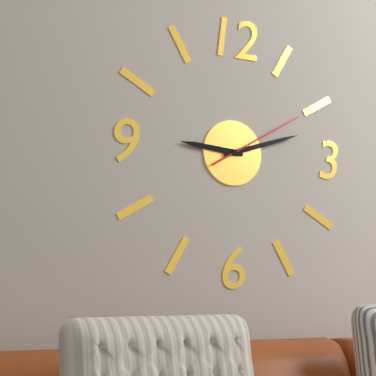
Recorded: 9.12.10
